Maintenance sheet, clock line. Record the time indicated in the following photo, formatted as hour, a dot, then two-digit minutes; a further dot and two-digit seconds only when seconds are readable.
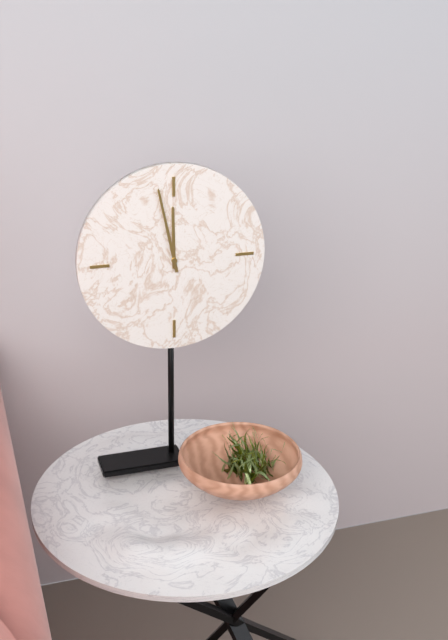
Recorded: 11.58
